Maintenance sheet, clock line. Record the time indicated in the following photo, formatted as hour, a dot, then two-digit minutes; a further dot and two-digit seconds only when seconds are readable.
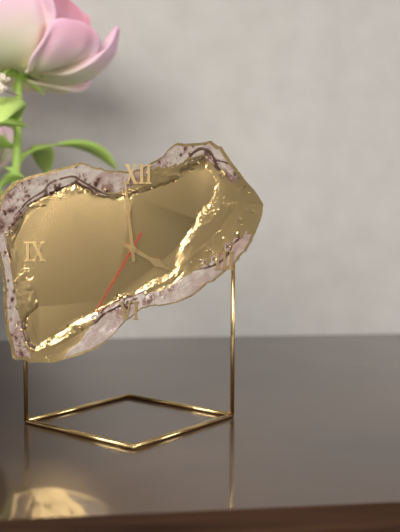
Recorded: 3.59.35
